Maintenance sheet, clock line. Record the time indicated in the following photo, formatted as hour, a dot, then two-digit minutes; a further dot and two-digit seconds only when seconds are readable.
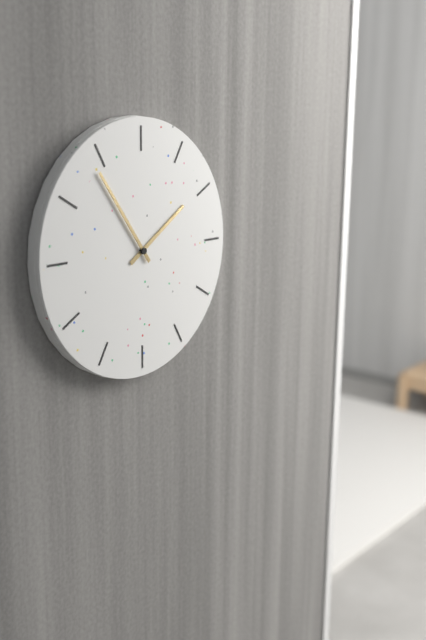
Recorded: 1.54
